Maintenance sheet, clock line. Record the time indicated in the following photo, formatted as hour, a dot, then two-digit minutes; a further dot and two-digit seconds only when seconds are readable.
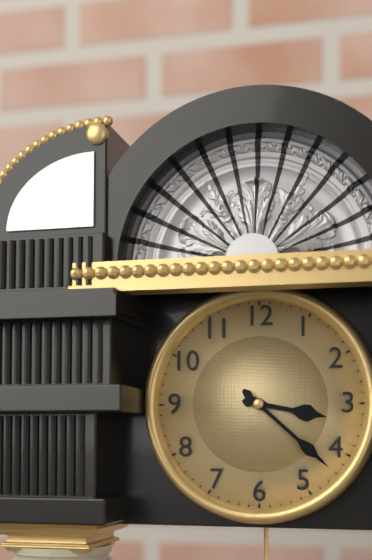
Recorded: 3.22
